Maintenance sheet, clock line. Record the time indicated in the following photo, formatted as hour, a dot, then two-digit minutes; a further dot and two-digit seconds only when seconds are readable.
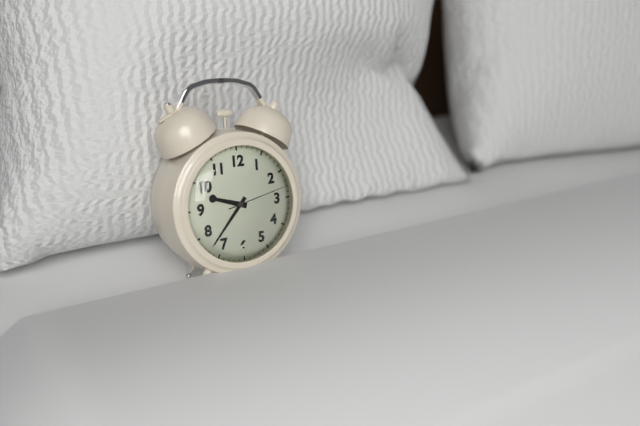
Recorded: 9.37.13
